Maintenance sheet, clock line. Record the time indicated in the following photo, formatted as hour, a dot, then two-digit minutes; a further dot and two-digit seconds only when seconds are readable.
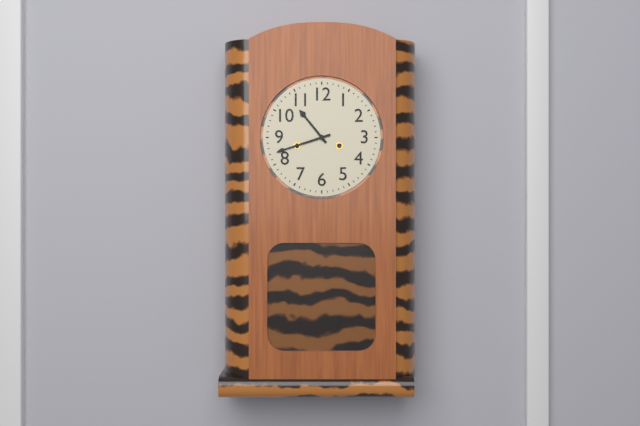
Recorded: 10.42
